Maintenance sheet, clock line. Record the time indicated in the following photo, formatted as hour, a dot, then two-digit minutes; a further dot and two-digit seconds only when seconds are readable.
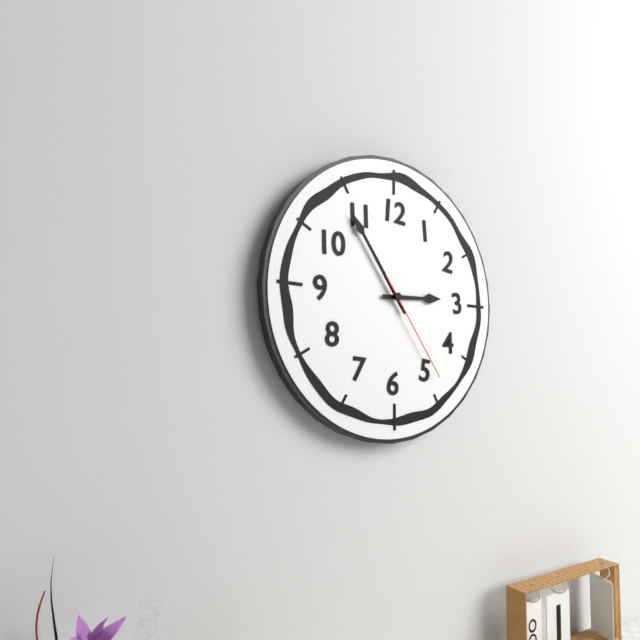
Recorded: 2.54.24
